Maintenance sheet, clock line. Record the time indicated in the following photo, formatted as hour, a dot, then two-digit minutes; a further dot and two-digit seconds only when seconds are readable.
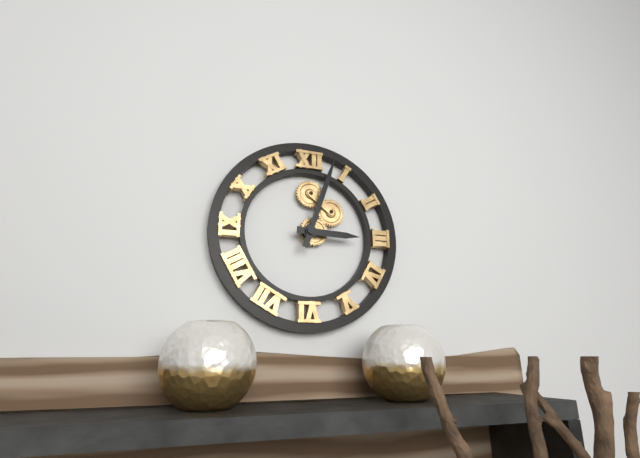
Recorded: 3.03
